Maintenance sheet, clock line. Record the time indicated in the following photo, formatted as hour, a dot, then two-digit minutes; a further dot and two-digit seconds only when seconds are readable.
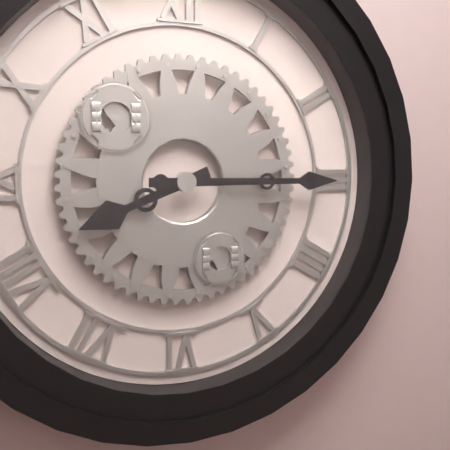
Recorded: 8.15
